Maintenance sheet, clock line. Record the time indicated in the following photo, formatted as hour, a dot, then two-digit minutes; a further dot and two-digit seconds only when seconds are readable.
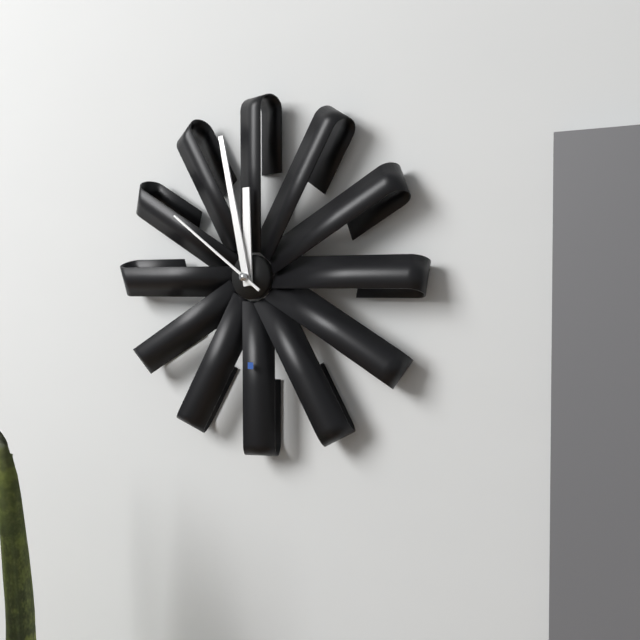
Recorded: 11.58.51
